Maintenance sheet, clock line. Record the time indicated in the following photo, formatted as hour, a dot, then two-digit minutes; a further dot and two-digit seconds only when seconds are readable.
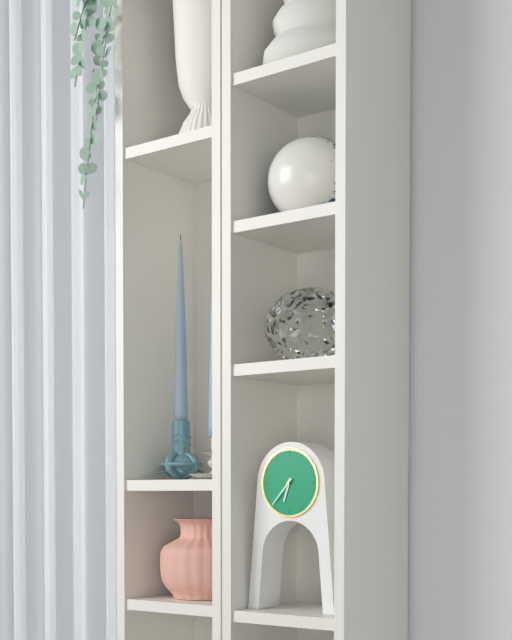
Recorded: 6.37
